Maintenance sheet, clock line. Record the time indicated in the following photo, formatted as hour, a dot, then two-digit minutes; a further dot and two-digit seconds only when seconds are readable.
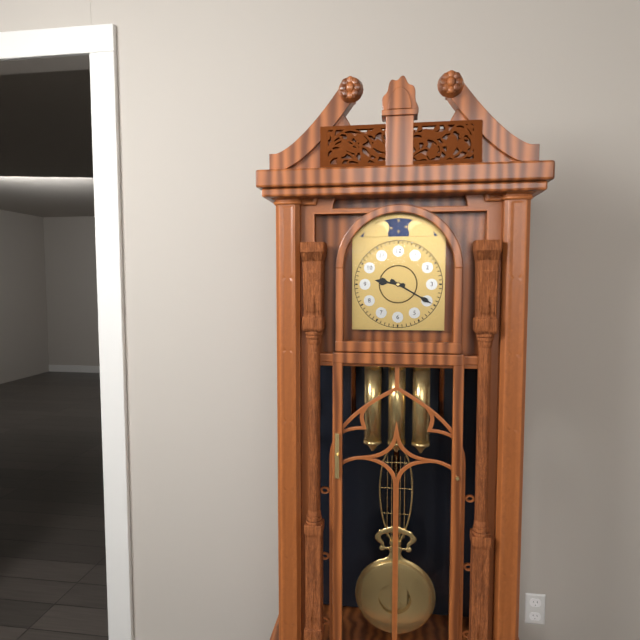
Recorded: 9.20
